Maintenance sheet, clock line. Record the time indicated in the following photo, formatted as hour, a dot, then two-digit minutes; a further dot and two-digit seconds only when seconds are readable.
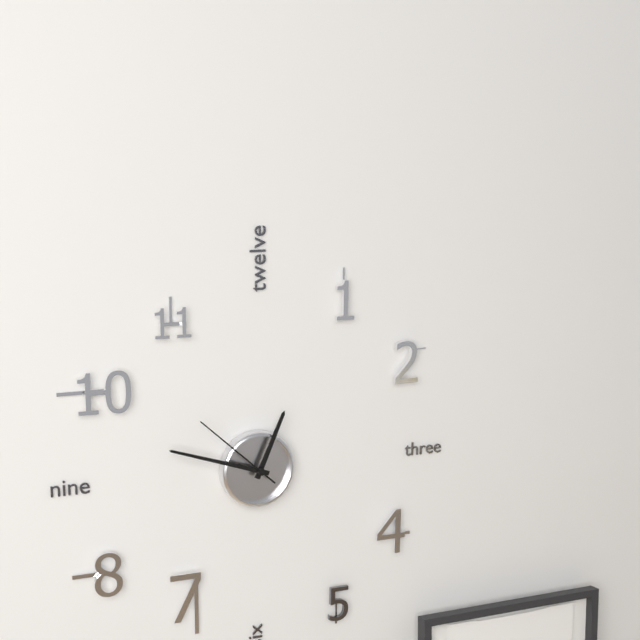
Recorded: 12.48.52
